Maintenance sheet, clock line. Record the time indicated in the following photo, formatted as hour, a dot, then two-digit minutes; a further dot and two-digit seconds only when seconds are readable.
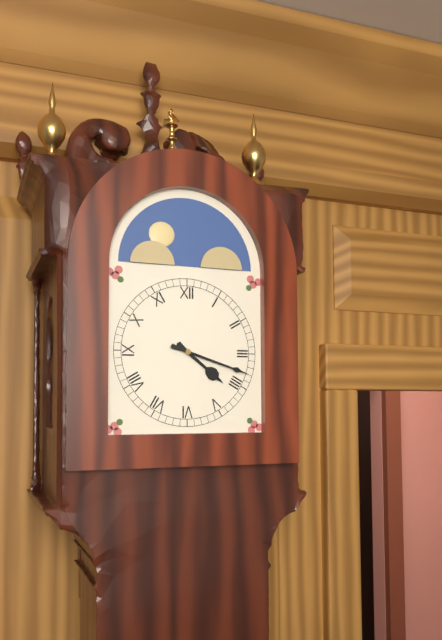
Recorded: 4.18
